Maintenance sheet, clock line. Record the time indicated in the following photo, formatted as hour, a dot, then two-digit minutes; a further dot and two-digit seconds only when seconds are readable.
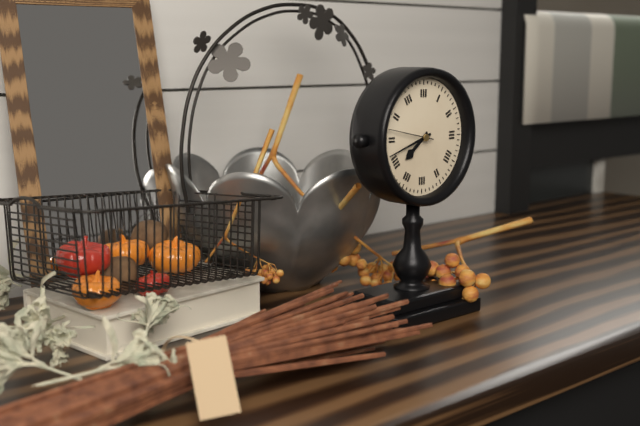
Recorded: 7.42
